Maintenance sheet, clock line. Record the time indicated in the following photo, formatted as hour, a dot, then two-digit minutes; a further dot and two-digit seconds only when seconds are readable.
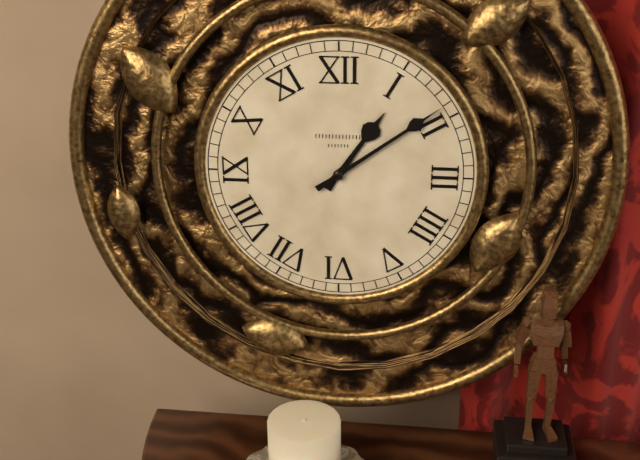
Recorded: 1.09
